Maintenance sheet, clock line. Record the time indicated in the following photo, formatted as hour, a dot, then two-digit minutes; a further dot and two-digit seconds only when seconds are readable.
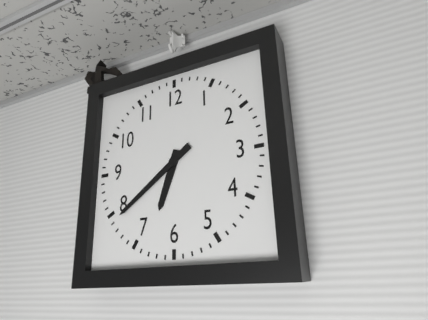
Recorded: 6.39
